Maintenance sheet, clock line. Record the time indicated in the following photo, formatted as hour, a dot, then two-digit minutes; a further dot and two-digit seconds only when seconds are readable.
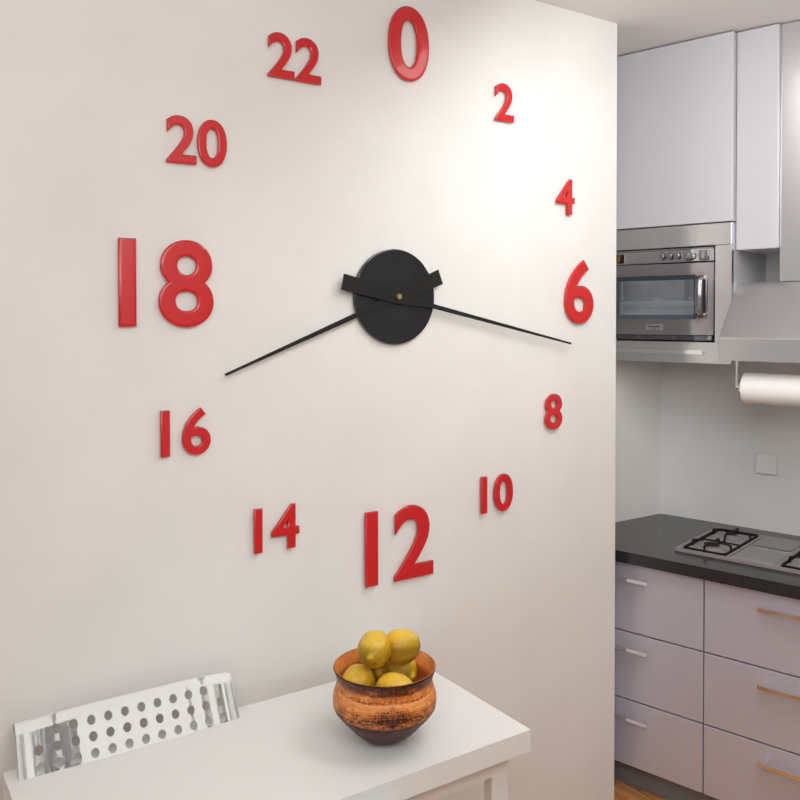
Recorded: 8.17
